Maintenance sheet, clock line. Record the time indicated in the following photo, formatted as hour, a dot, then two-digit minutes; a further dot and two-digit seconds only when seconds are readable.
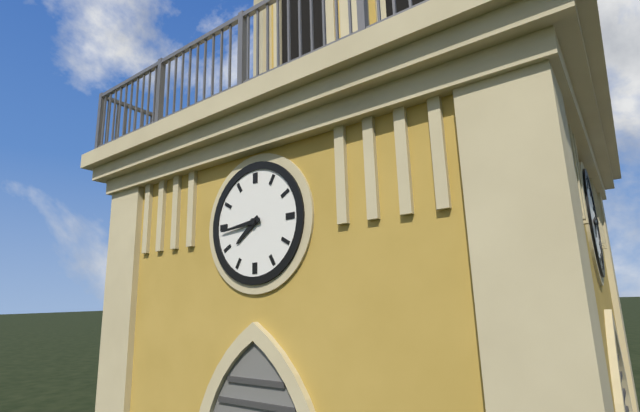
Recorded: 7.44
